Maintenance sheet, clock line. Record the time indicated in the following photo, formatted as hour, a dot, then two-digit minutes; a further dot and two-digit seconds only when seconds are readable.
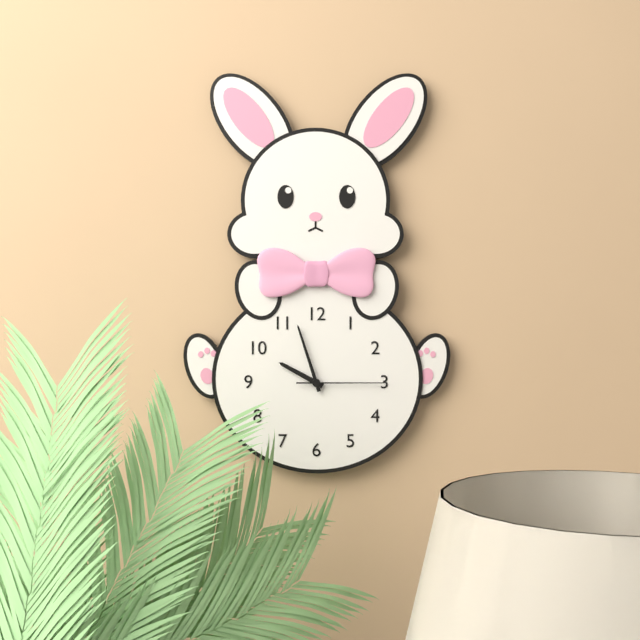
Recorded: 9.57.15
